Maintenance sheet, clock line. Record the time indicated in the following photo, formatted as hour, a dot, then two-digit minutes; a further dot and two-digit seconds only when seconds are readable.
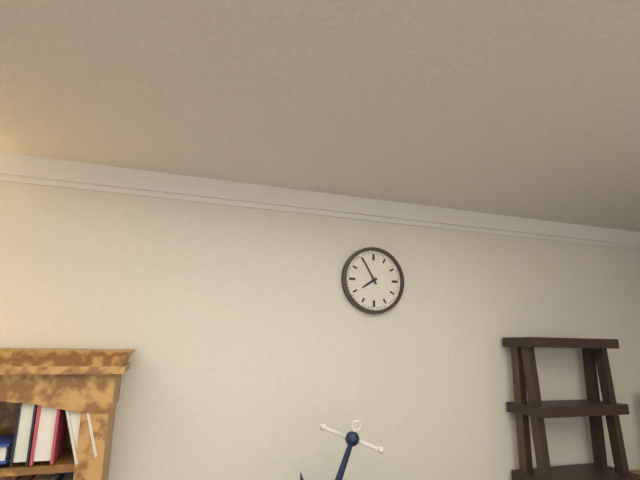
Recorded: 7.55
